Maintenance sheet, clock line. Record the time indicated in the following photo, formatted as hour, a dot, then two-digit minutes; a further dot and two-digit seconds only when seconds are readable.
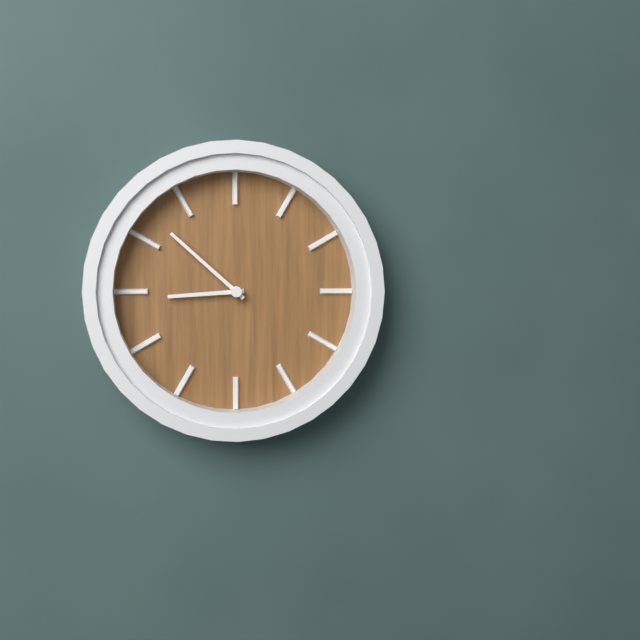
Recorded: 8.52
